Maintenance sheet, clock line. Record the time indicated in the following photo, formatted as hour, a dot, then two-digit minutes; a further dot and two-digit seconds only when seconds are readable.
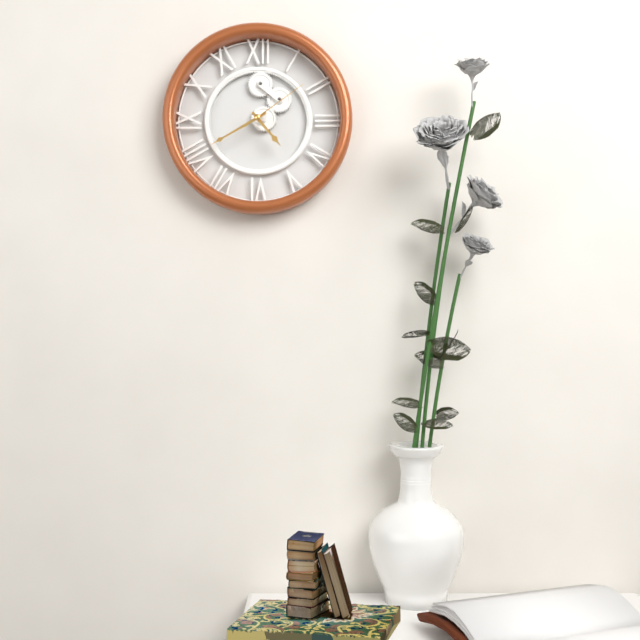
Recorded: 4.40.09
